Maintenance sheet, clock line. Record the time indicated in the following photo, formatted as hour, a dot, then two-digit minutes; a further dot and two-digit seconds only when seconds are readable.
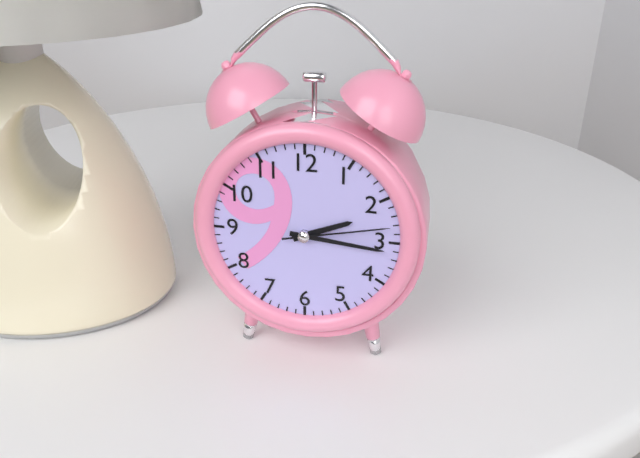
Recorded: 2.16.13
